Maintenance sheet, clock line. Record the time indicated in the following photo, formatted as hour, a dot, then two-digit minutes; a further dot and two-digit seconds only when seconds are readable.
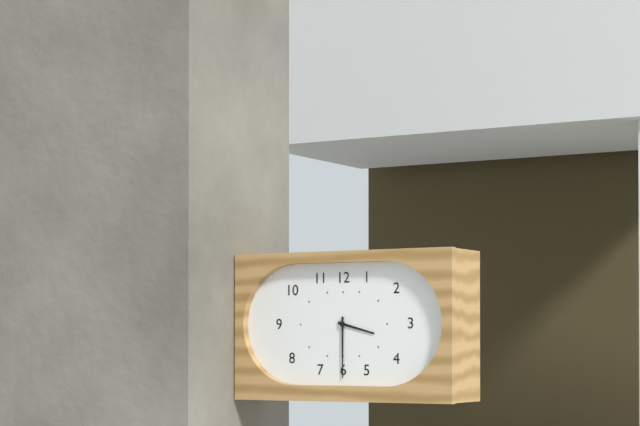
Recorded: 3.30
